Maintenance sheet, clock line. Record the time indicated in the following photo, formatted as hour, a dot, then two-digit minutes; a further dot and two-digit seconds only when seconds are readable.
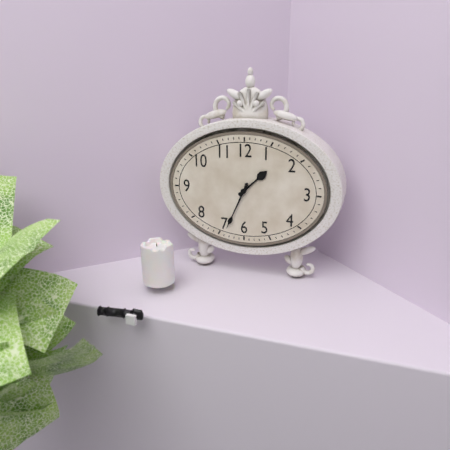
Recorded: 1.34
